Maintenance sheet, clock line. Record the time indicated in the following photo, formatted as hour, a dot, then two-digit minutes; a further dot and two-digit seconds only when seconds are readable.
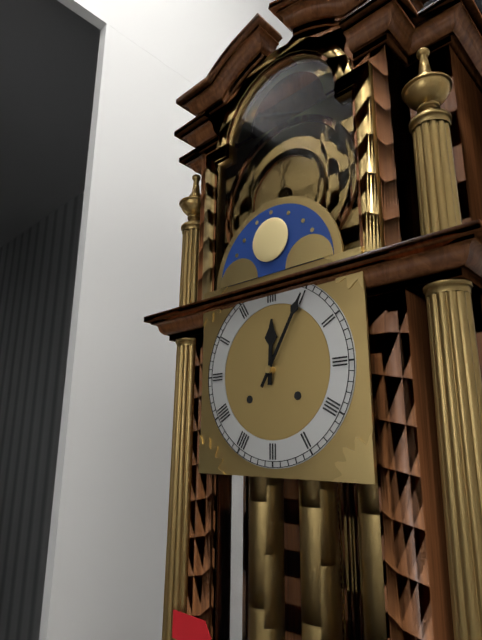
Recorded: 12.05
